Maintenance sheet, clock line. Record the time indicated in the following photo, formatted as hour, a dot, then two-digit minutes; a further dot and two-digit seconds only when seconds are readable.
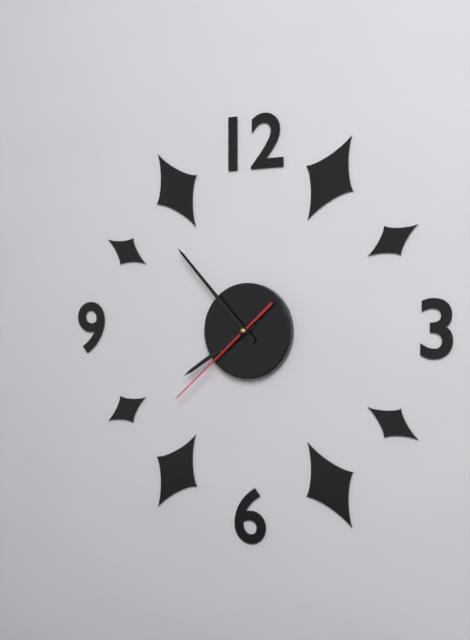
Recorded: 7.53.38
